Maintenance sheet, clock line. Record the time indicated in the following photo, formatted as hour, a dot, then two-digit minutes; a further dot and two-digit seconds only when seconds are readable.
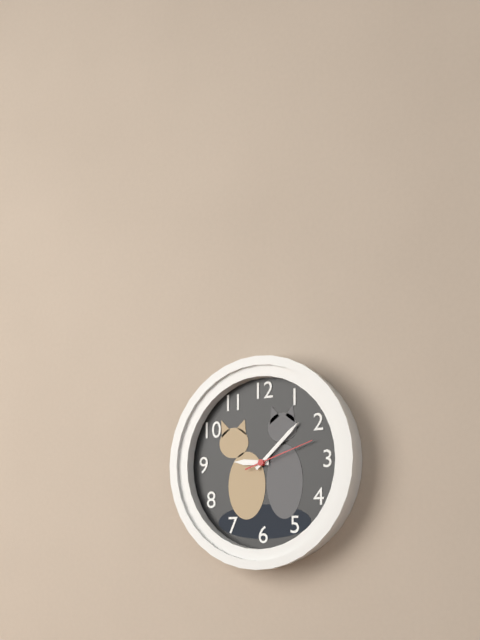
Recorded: 9.08.12
